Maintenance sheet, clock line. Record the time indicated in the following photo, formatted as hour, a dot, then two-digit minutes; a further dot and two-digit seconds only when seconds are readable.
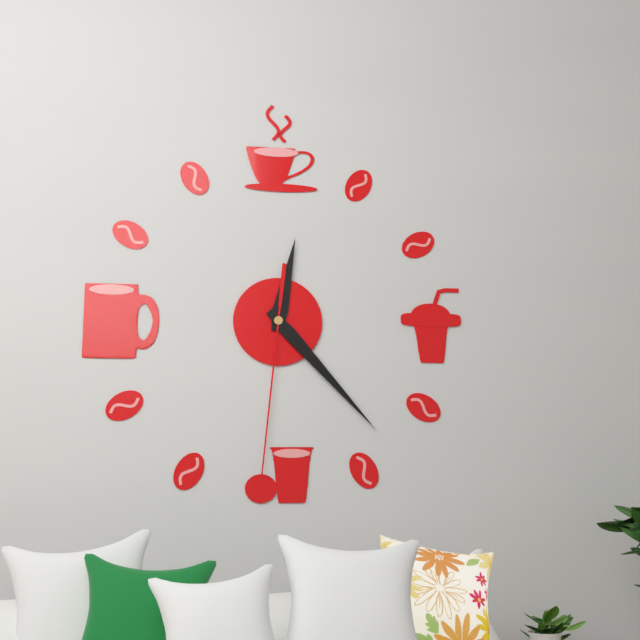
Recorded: 12.23.31
